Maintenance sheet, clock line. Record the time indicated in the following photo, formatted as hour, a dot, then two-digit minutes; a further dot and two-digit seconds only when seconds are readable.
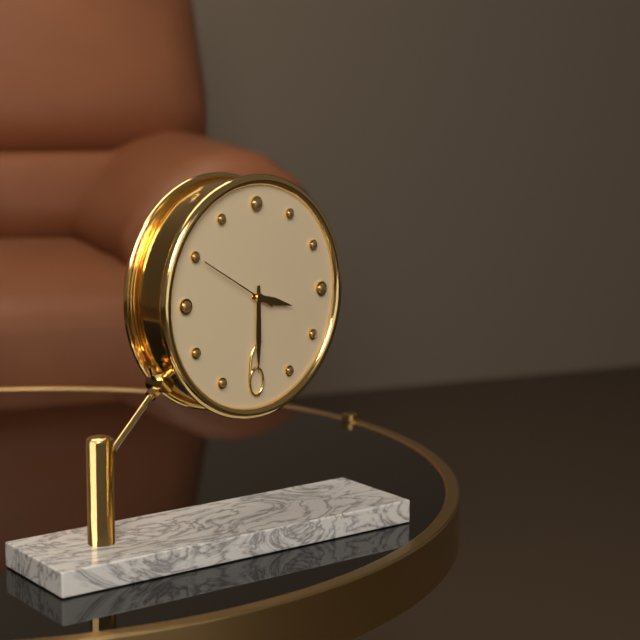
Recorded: 3.30.50
